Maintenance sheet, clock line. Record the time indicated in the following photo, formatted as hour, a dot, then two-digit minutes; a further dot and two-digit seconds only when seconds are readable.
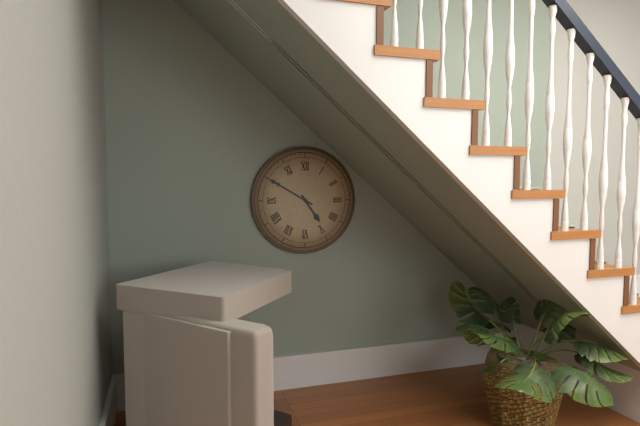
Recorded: 4.50
